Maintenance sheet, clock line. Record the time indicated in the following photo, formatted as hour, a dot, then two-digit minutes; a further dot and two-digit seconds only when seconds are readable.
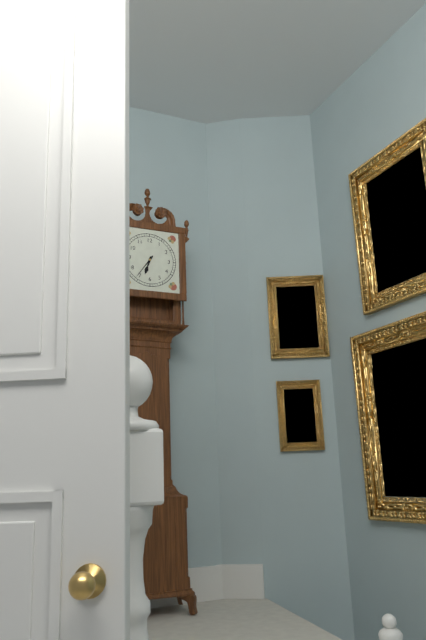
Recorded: 6.36
